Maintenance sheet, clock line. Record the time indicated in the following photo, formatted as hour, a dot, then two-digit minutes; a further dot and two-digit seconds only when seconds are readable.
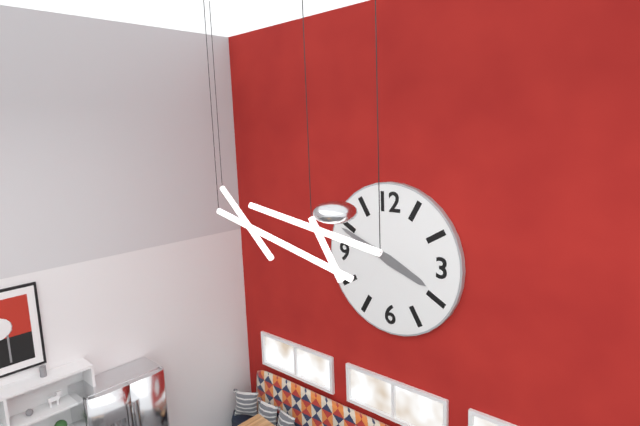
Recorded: 3.49
